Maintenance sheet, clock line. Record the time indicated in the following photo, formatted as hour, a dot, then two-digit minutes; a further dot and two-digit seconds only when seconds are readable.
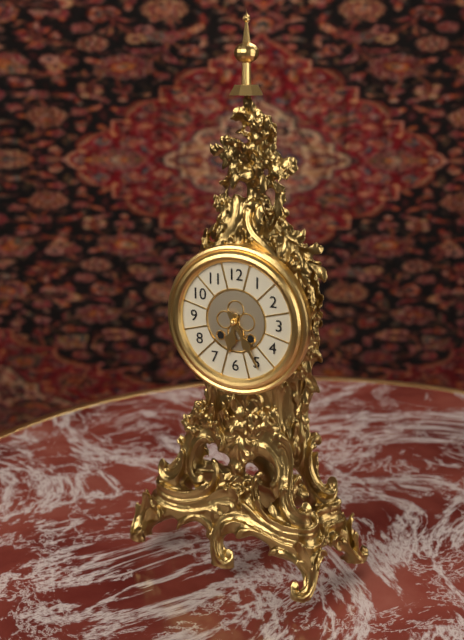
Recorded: 6.25
